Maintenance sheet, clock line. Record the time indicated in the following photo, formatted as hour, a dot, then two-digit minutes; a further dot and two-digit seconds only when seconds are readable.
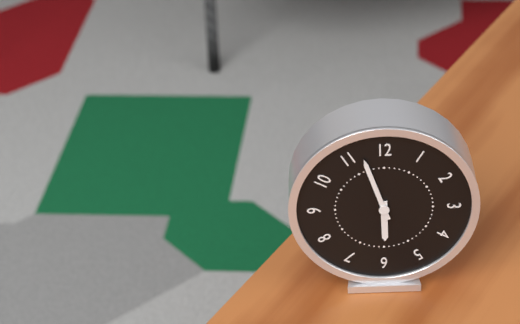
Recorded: 5.57
